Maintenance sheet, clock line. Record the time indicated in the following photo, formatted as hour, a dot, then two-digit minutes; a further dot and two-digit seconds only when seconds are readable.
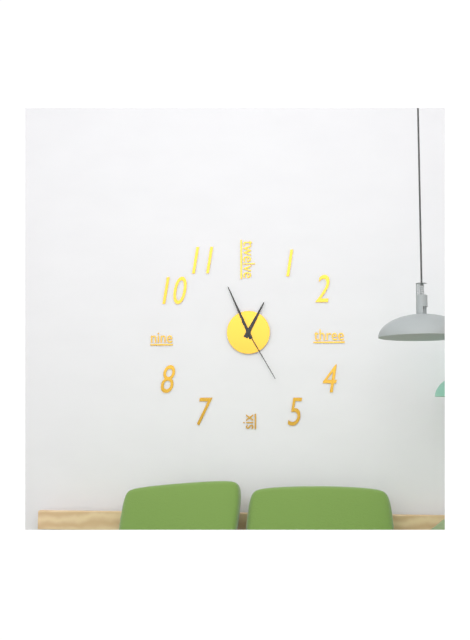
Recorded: 12.56.25
